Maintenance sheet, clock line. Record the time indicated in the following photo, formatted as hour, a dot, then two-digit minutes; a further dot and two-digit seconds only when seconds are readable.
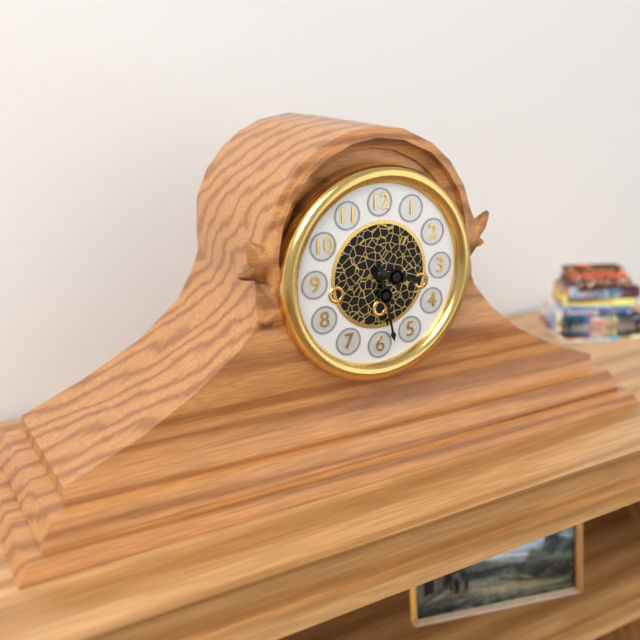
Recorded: 3.28
